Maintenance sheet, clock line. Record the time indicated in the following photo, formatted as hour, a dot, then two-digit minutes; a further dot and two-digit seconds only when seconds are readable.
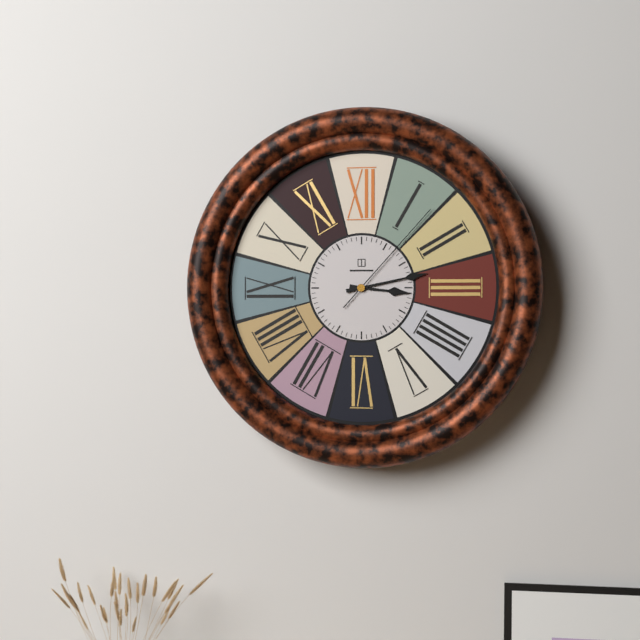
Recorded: 3.13.07
